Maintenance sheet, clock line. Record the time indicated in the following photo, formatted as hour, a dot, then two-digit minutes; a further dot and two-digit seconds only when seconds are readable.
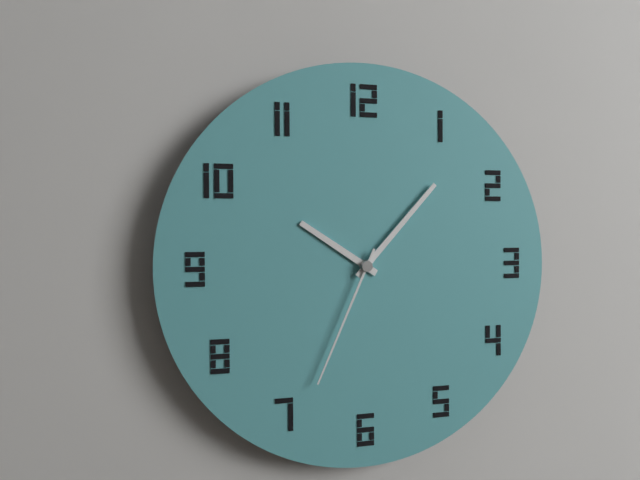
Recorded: 10.07.34
